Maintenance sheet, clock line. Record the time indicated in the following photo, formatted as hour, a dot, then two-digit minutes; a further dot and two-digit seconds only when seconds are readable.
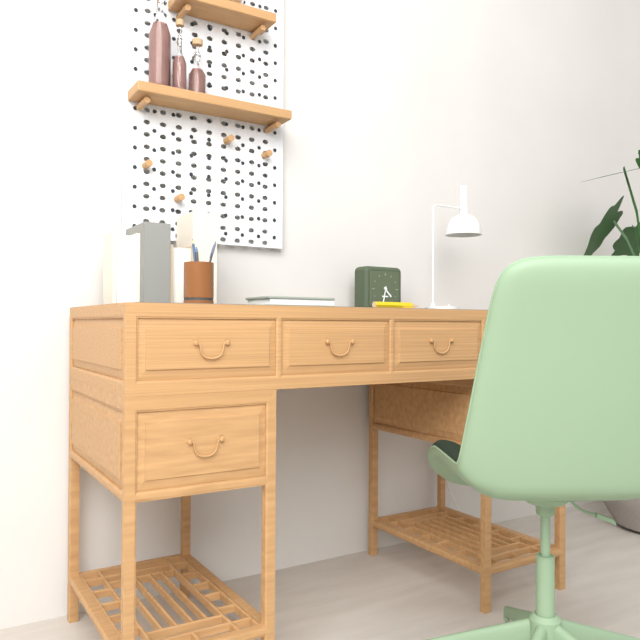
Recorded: 4.32
